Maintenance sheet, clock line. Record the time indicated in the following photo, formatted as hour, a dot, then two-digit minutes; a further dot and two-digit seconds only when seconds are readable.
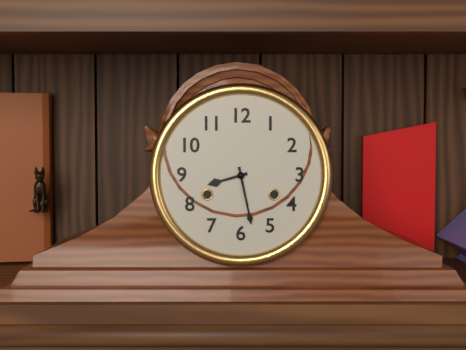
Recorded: 8.28
